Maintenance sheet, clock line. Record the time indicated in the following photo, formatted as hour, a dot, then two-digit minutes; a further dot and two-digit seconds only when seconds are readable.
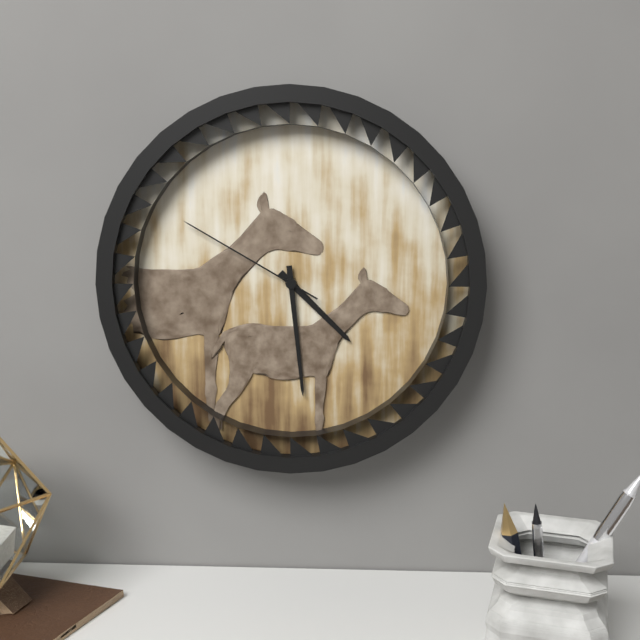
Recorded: 4.29.50
